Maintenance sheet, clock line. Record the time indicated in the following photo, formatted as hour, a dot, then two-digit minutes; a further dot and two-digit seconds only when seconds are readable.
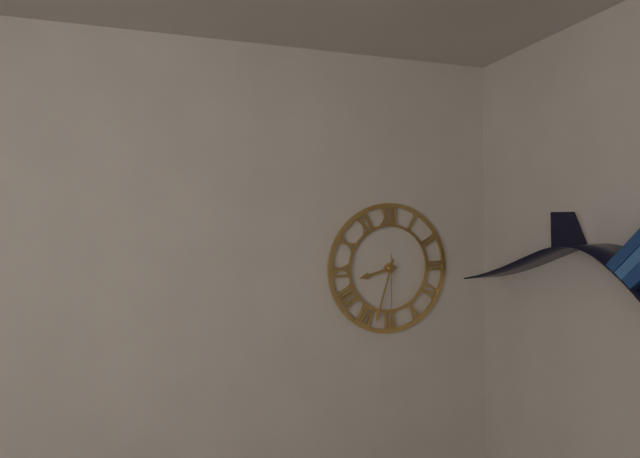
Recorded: 8.33.30
